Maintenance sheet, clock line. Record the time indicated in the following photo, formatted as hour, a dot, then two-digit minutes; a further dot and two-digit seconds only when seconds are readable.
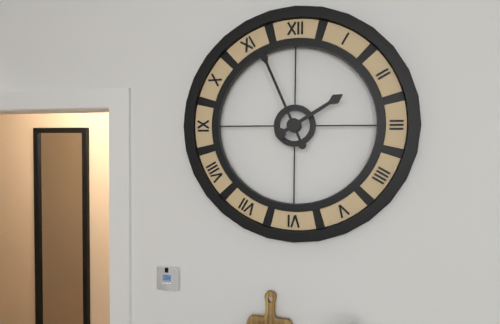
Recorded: 1.56
